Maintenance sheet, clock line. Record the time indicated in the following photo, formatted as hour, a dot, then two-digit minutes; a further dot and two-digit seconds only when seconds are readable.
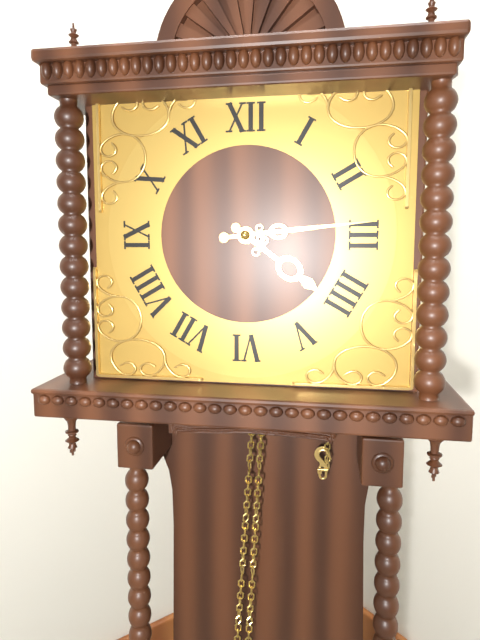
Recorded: 4.14
